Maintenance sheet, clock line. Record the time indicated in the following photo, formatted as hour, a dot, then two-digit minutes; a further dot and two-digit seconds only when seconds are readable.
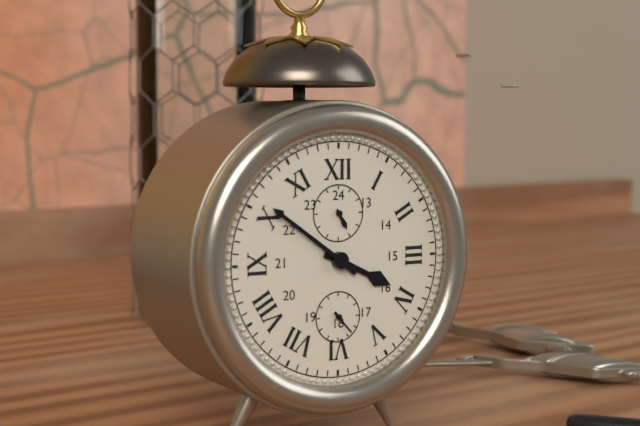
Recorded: 3.51.23
